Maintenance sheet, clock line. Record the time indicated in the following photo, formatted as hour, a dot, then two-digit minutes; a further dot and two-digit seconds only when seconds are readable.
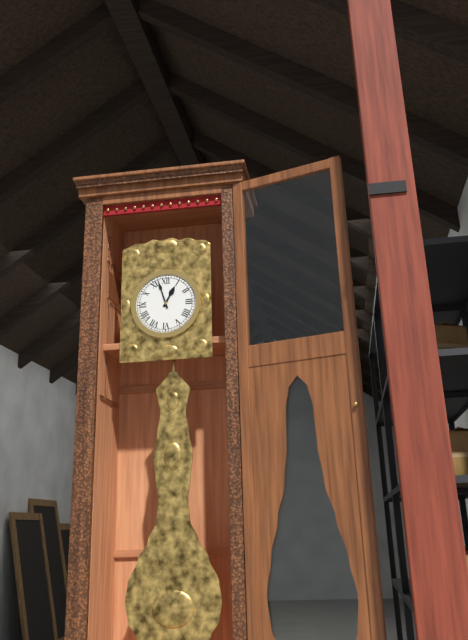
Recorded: 12.57
